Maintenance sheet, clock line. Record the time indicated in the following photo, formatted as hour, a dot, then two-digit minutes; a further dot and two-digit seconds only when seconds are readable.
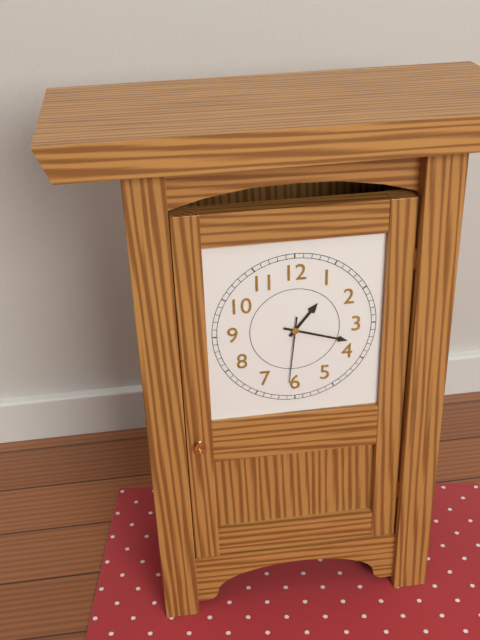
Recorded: 1.18.31
